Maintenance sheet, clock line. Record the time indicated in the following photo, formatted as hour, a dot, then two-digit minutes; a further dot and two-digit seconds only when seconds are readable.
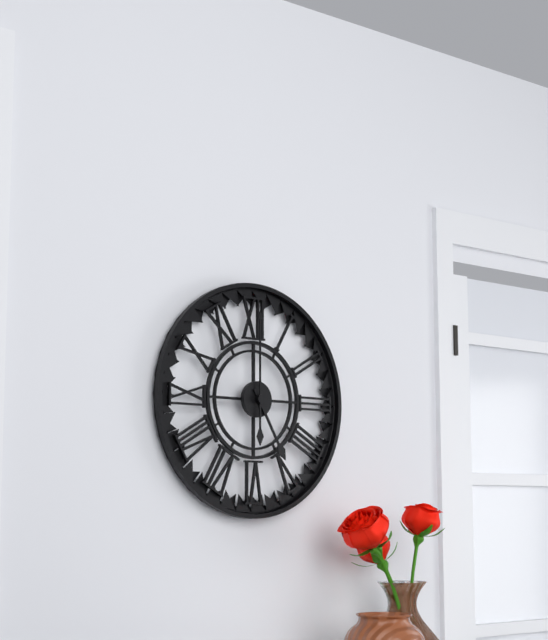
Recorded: 5.00
